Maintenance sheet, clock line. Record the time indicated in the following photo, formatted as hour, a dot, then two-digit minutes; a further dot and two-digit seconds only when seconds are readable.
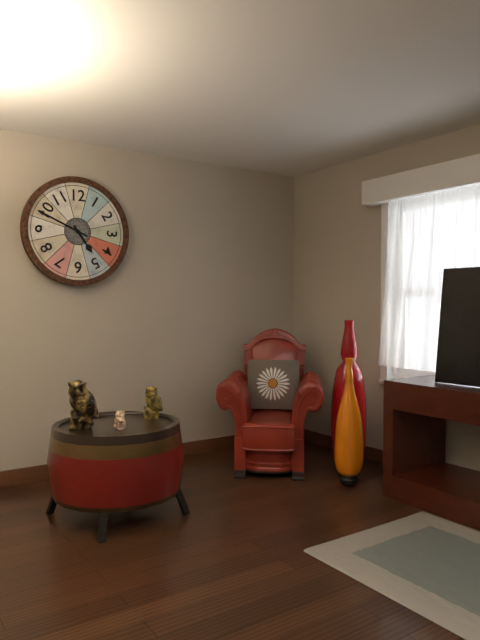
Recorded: 4.49
